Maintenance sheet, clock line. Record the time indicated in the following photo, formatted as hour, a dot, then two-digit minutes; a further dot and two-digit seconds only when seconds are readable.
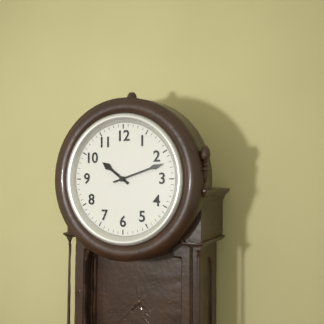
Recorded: 10.12
